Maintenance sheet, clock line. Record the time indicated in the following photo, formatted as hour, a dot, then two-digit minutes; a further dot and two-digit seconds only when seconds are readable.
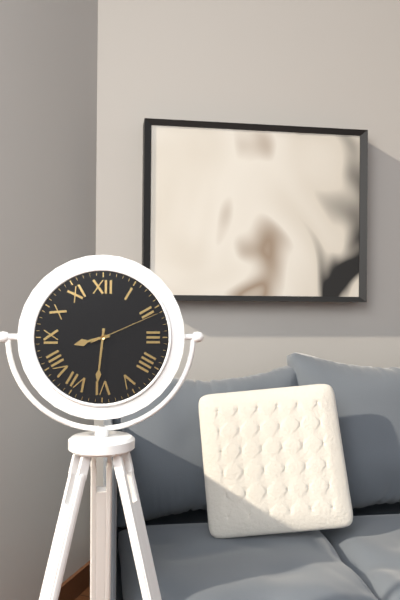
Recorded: 8.31.11
